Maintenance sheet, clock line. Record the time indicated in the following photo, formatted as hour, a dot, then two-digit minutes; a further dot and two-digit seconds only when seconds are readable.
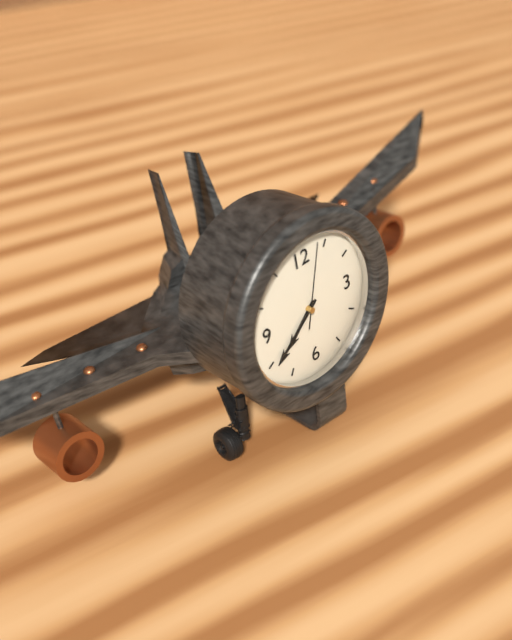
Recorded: 7.39.03
